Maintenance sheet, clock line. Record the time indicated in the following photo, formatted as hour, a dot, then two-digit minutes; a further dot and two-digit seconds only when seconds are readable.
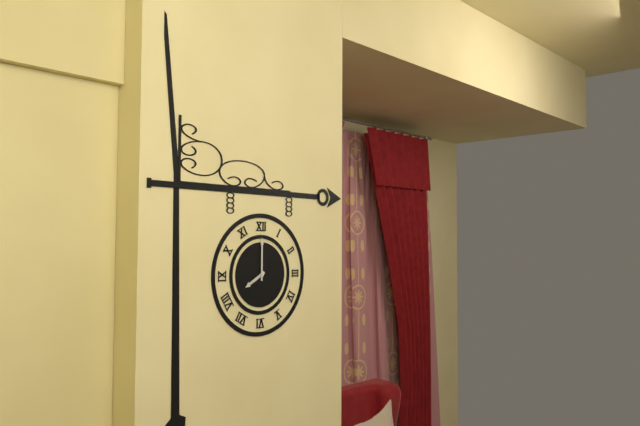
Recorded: 8.00
